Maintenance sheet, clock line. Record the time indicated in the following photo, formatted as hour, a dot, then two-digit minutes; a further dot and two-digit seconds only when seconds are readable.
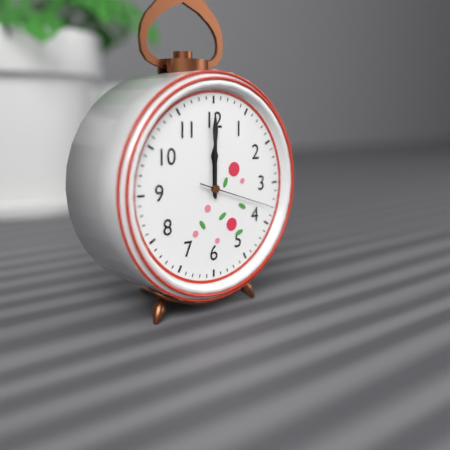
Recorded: 12.00.18
